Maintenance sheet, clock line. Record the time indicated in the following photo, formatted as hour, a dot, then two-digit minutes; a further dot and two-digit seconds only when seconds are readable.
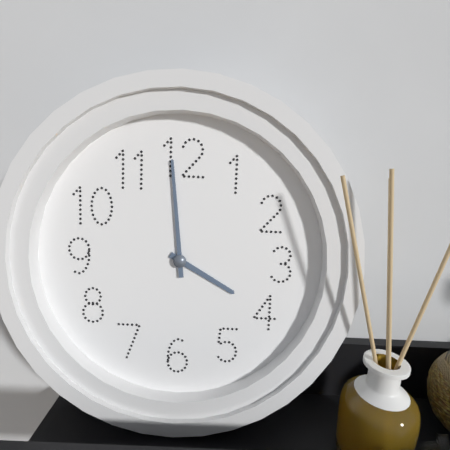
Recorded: 3.59
